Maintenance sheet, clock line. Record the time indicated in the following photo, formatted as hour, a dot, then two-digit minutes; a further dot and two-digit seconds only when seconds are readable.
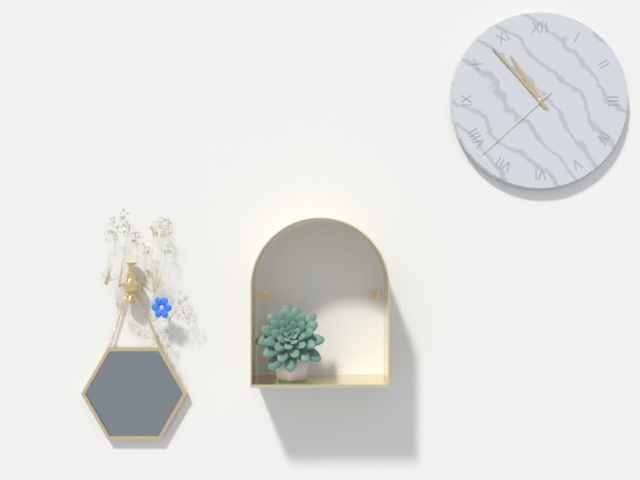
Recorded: 10.53.38
